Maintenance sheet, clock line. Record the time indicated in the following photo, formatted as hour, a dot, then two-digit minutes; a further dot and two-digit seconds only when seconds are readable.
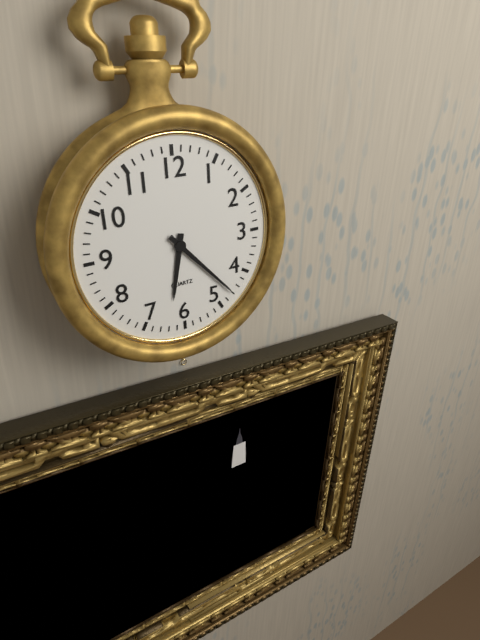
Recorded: 6.23
